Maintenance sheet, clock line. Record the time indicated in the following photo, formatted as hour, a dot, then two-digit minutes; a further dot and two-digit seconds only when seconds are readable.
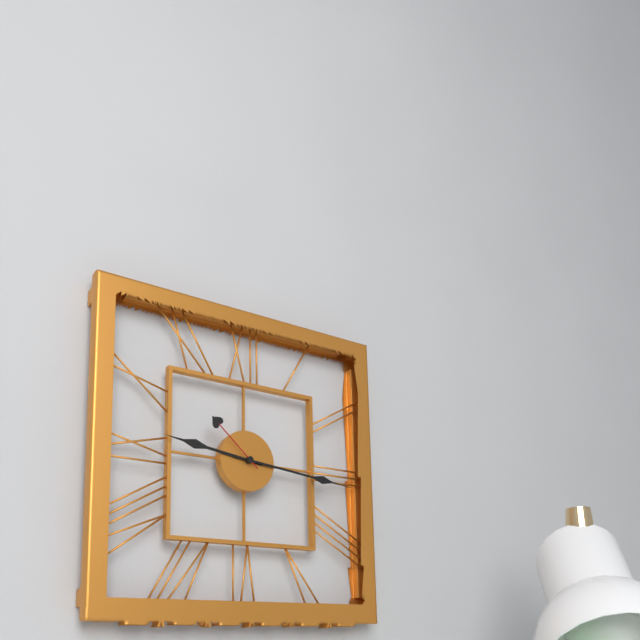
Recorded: 9.16.52
